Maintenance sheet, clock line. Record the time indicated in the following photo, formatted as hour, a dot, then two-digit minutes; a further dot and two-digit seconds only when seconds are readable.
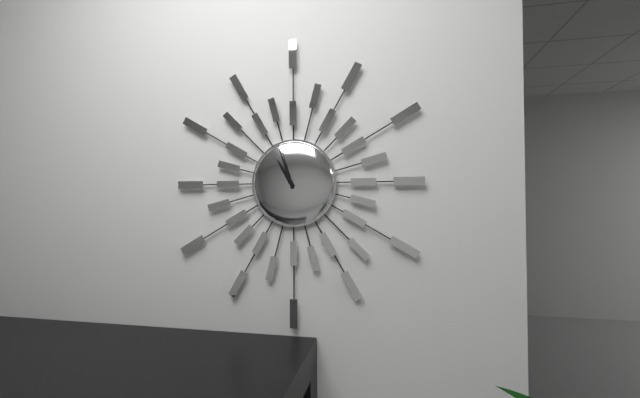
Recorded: 10.57
